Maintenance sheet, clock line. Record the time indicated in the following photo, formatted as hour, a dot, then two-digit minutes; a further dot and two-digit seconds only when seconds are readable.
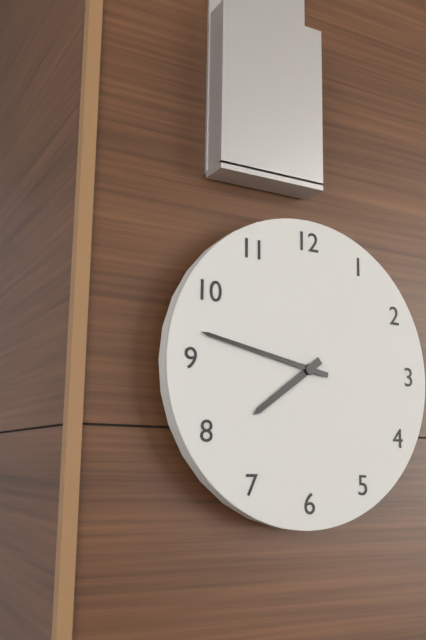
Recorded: 7.47
